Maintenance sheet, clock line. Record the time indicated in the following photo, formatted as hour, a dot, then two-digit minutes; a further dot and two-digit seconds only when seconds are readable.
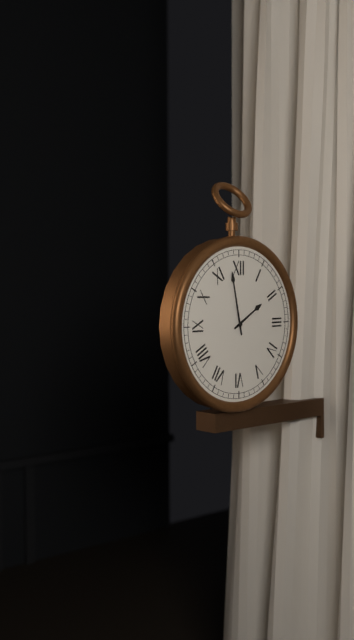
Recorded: 1.58
